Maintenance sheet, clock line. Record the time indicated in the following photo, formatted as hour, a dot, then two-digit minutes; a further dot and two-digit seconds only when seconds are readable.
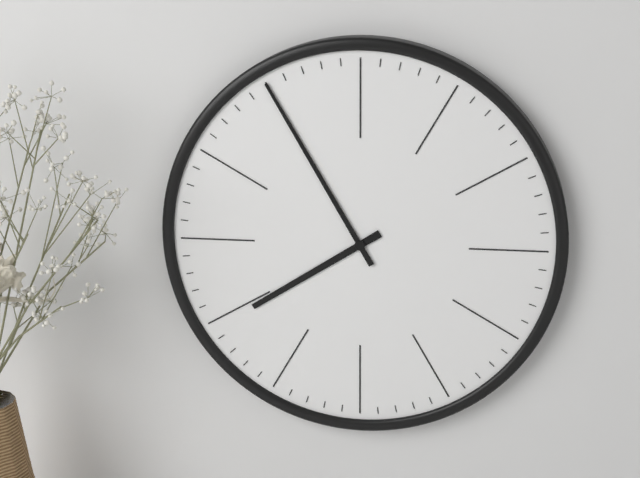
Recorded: 7.55
